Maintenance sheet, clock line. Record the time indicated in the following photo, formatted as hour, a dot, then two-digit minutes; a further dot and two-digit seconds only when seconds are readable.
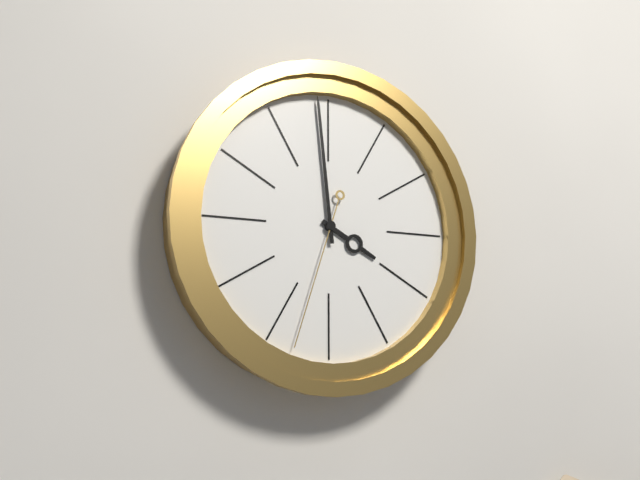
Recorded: 3.59.33
